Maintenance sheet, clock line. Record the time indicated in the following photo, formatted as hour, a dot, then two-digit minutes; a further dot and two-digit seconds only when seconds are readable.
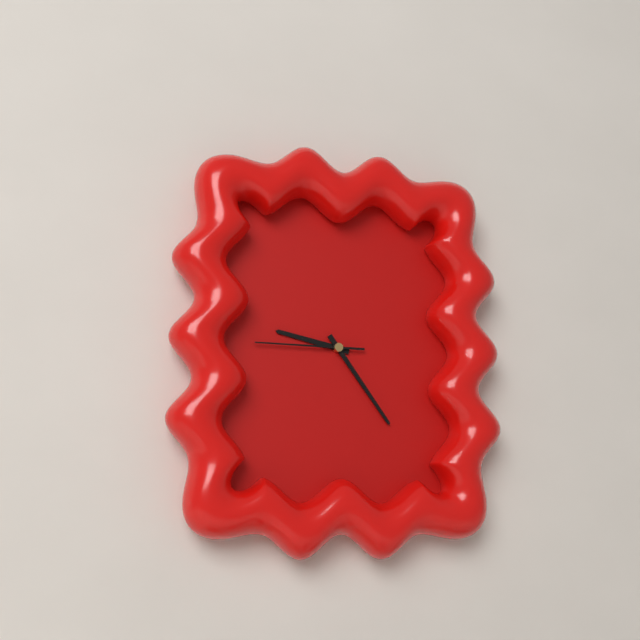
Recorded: 9.24.45
